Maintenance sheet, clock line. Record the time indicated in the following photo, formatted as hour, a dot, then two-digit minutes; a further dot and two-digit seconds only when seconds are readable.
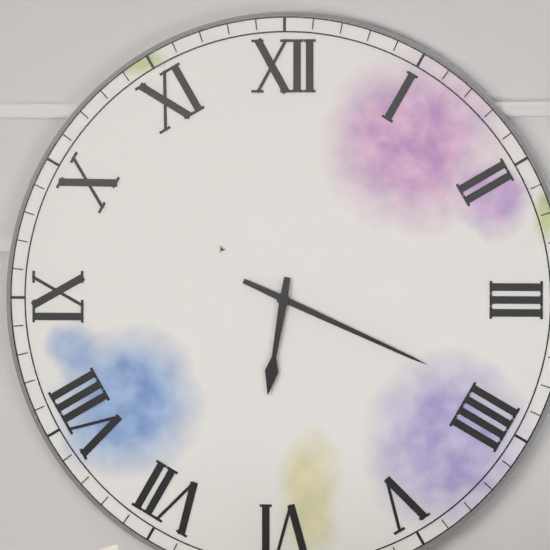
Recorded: 6.19
